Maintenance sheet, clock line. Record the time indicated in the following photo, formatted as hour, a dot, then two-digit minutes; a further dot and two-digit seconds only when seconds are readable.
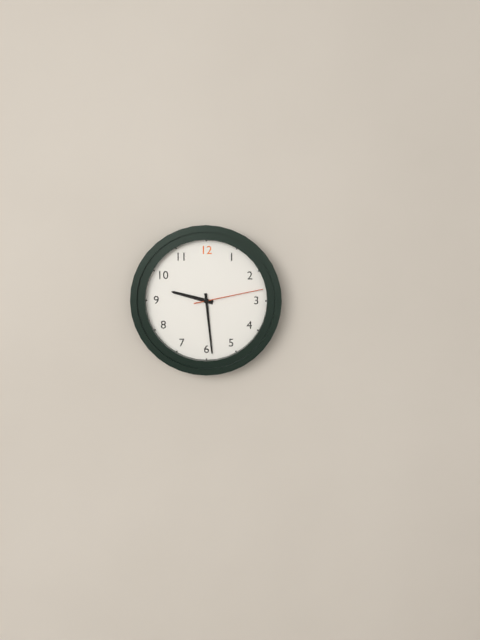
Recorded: 9.29.13
